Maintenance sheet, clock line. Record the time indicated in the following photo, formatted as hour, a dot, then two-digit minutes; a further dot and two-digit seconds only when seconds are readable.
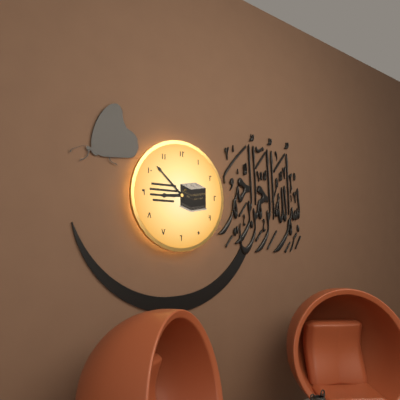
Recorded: 8.52
